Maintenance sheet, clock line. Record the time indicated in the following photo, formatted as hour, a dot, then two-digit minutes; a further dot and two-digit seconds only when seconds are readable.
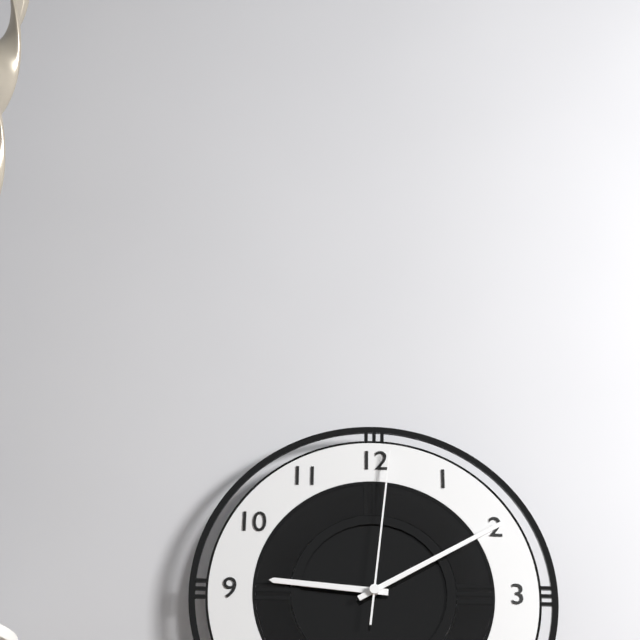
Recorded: 9.10.01
